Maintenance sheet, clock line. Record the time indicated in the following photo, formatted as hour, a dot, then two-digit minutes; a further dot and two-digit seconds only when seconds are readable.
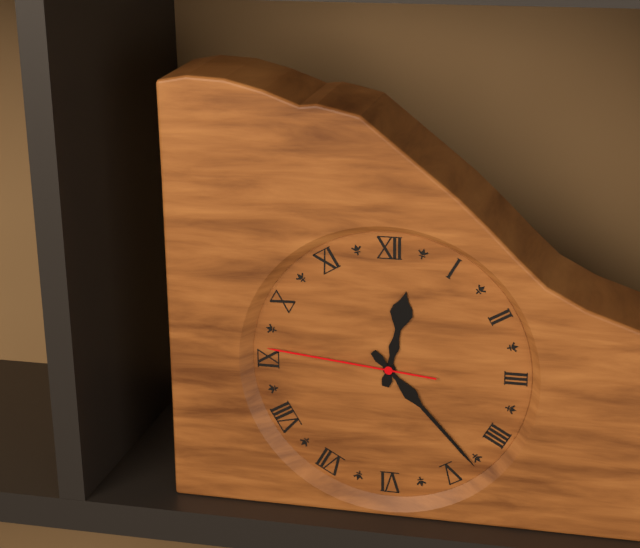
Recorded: 12.23.46
